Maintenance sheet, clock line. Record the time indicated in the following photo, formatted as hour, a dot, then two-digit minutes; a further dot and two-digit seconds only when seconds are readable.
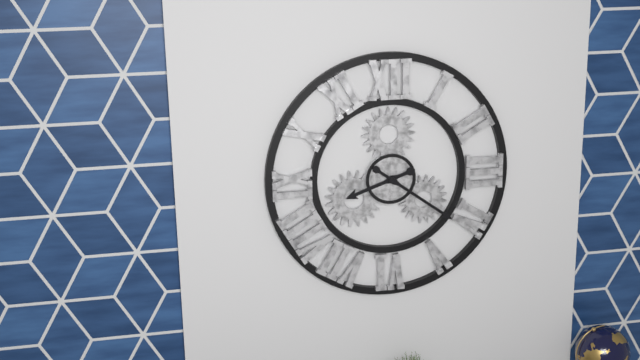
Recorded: 8.21
